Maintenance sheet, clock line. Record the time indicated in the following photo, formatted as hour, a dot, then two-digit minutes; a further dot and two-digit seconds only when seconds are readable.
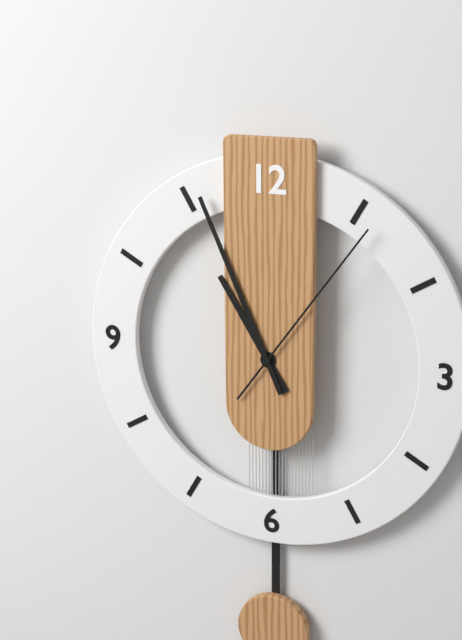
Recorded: 10.56.06
